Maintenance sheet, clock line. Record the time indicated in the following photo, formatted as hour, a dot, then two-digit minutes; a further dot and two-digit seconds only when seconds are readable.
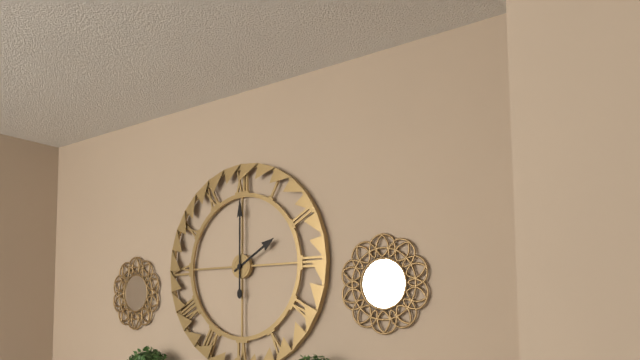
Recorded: 2.00
